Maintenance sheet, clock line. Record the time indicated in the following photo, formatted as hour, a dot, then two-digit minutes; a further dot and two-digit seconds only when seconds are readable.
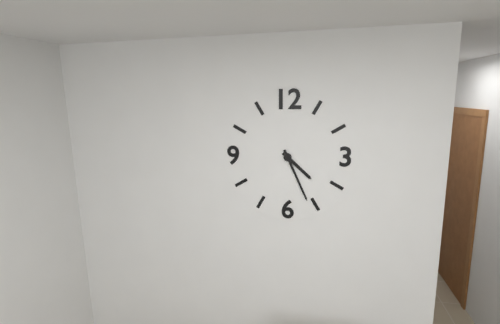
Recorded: 4.26
